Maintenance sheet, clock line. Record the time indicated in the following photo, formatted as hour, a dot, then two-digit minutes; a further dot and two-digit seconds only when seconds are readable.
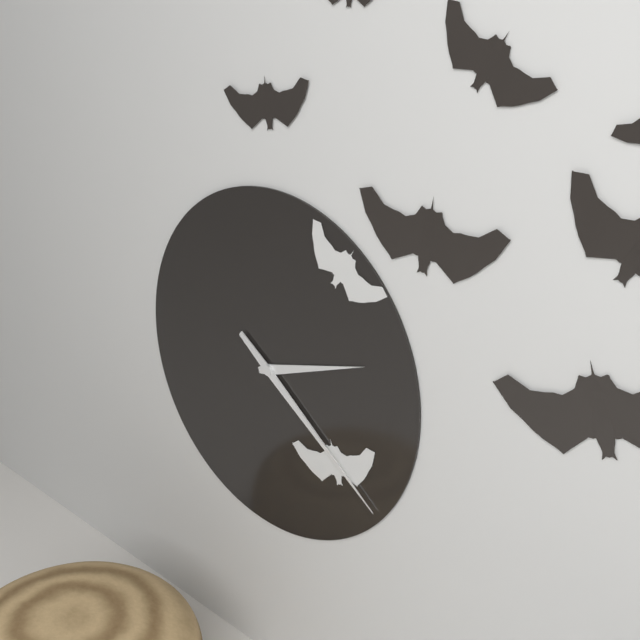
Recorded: 2.21
